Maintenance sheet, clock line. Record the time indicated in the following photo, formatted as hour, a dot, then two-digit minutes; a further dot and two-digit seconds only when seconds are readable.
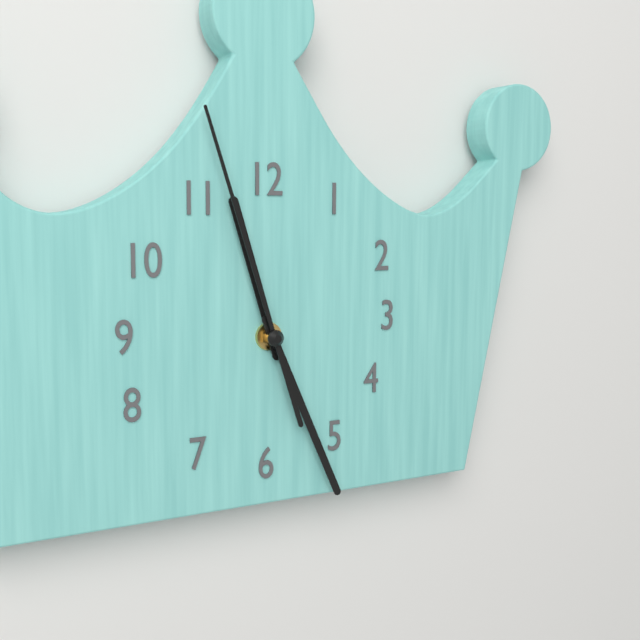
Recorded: 11.26.57
